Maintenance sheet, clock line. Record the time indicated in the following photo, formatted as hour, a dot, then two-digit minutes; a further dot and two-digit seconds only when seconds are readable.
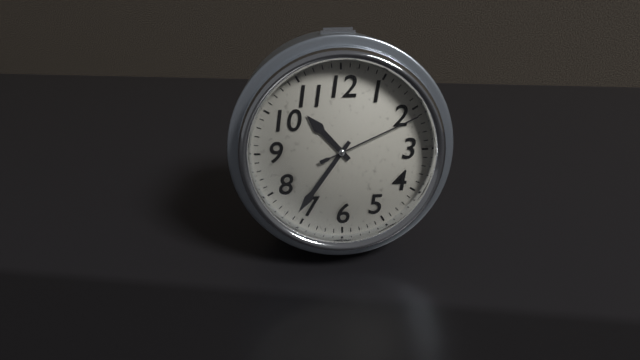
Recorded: 10.36.11
